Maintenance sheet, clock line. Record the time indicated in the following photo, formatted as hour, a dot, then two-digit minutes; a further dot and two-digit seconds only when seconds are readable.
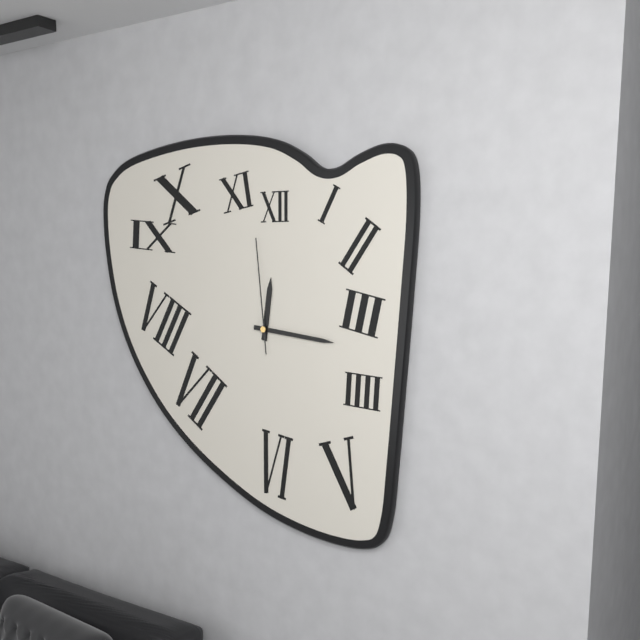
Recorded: 12.16.59
